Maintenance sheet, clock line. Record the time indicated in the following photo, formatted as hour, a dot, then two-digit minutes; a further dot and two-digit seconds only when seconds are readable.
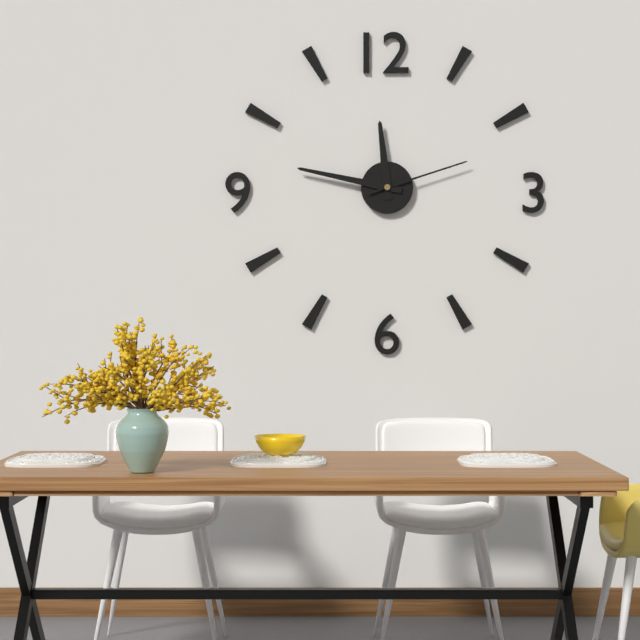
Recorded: 11.47.12
